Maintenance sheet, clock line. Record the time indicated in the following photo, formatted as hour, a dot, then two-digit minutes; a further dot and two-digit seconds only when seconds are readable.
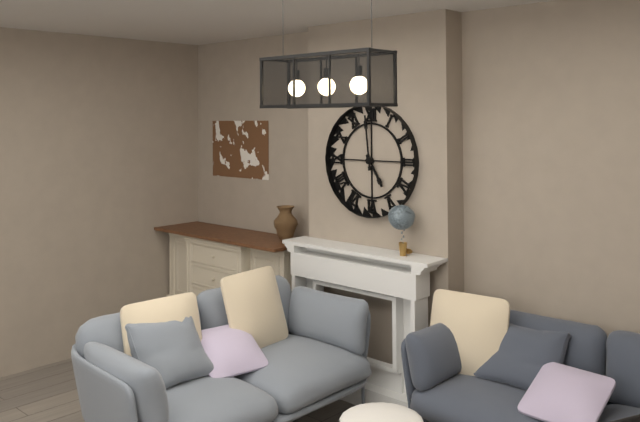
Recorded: 4.59
